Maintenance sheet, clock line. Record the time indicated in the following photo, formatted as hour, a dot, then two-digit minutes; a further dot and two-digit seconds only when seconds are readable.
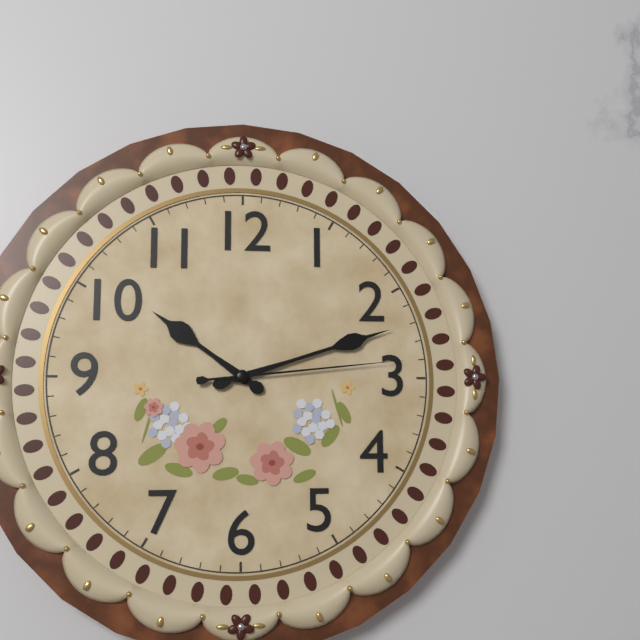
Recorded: 10.12.14
